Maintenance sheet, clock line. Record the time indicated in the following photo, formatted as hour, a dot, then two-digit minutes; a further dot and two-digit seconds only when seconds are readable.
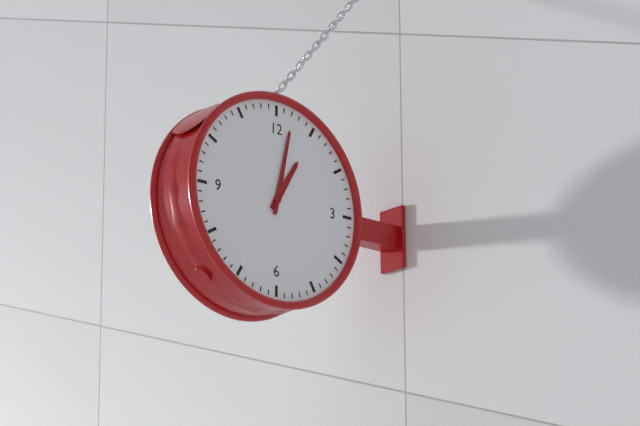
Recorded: 1.02
